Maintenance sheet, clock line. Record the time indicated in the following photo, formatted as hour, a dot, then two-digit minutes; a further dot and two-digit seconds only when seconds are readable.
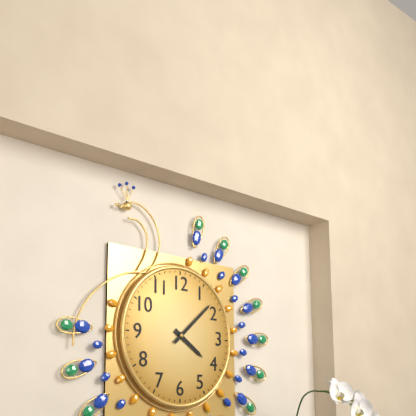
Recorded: 4.08
